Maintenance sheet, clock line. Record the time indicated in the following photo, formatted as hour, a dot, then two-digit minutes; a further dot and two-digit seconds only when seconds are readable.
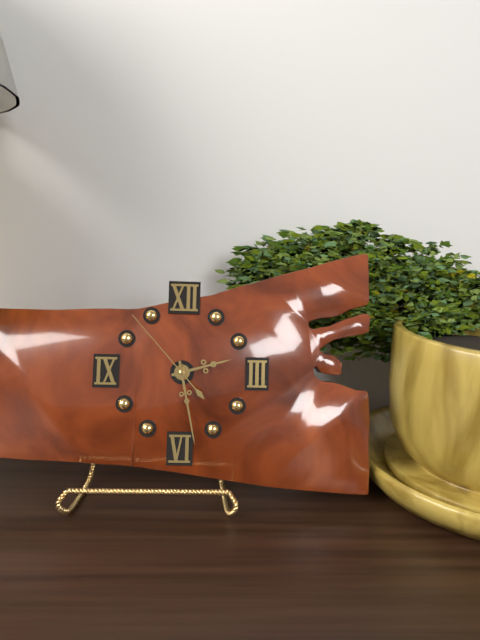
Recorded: 2.28.53
